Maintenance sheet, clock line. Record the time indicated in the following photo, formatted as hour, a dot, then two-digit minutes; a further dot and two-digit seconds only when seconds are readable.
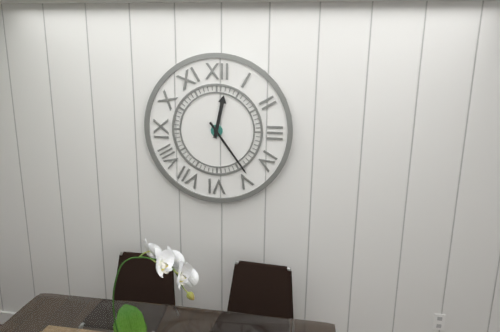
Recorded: 12.24
